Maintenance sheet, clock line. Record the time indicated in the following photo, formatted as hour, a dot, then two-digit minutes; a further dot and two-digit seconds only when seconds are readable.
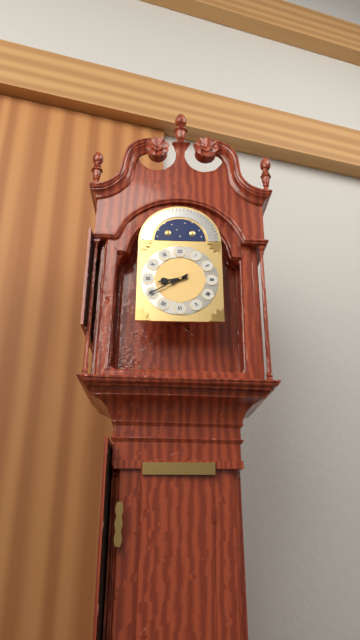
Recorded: 8.40
